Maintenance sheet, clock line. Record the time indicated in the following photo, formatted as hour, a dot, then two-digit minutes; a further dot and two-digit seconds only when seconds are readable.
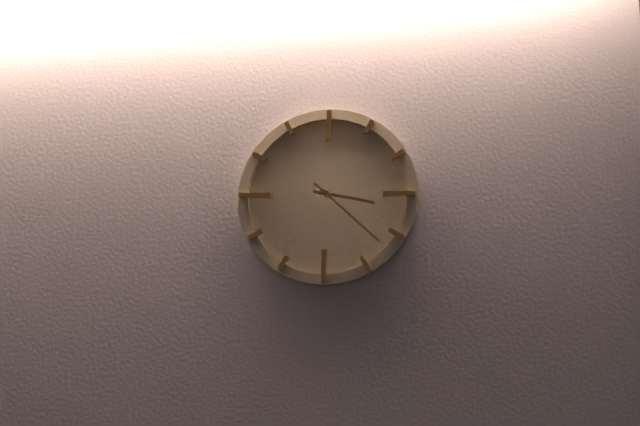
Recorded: 3.22
